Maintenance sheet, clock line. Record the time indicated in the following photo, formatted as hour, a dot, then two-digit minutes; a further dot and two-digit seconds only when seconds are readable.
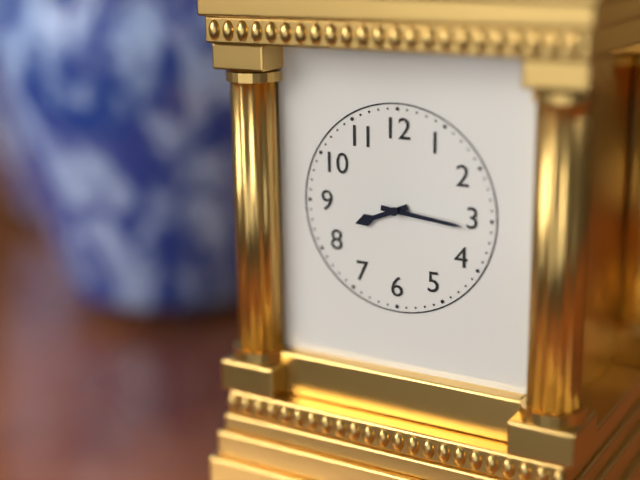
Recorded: 8.16
